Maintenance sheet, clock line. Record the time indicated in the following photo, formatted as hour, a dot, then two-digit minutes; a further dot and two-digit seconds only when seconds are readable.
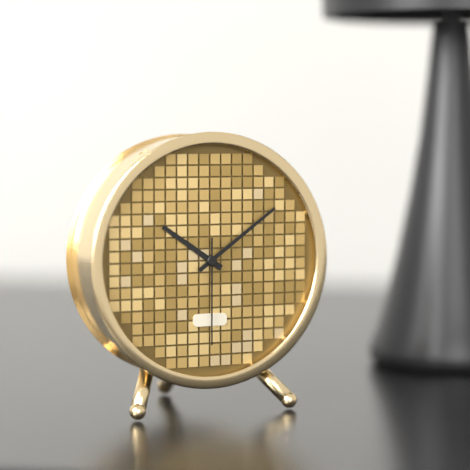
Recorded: 10.09.30
